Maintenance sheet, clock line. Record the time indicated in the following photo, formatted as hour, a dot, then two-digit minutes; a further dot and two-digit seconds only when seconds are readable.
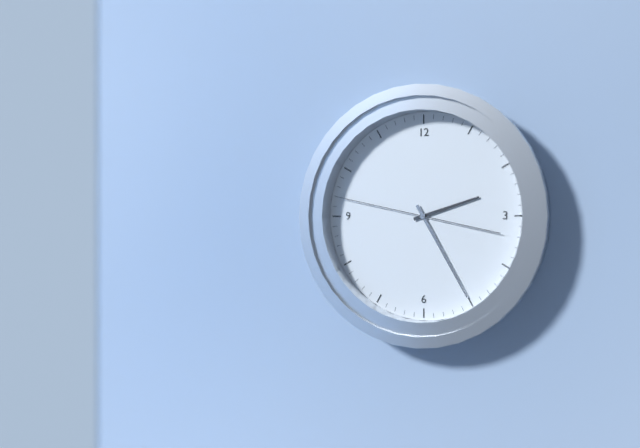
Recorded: 2.25.47
